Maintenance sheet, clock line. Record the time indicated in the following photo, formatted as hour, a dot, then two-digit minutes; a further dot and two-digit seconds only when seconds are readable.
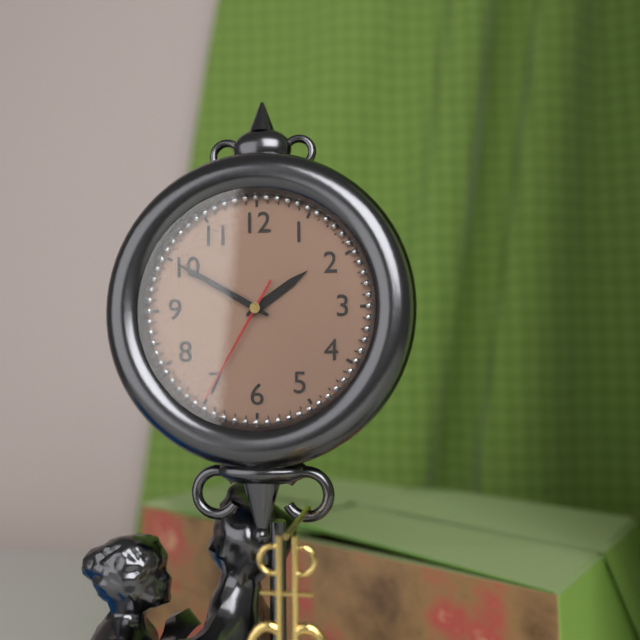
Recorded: 1.50.35
